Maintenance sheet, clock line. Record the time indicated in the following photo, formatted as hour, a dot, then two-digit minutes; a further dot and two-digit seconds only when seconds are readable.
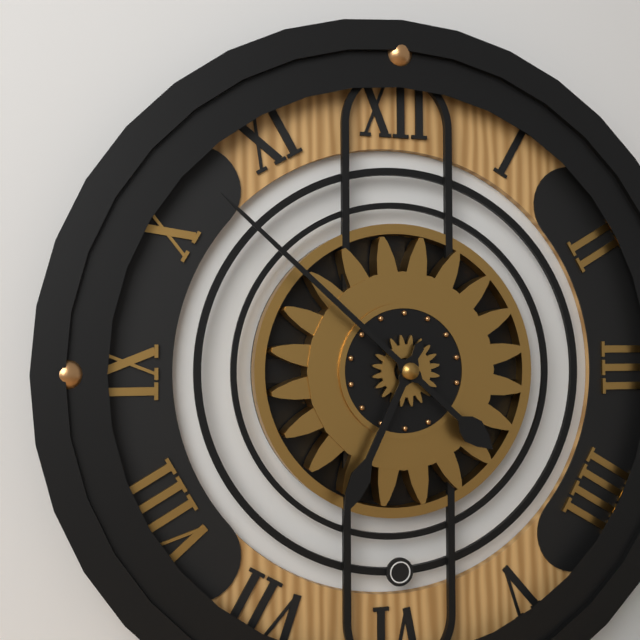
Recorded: 6.52
